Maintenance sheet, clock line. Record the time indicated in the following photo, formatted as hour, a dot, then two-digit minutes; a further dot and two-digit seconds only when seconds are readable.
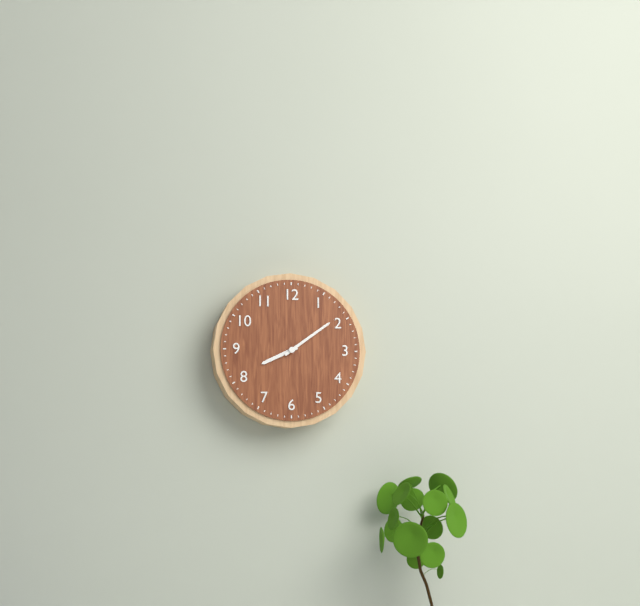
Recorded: 8.09
